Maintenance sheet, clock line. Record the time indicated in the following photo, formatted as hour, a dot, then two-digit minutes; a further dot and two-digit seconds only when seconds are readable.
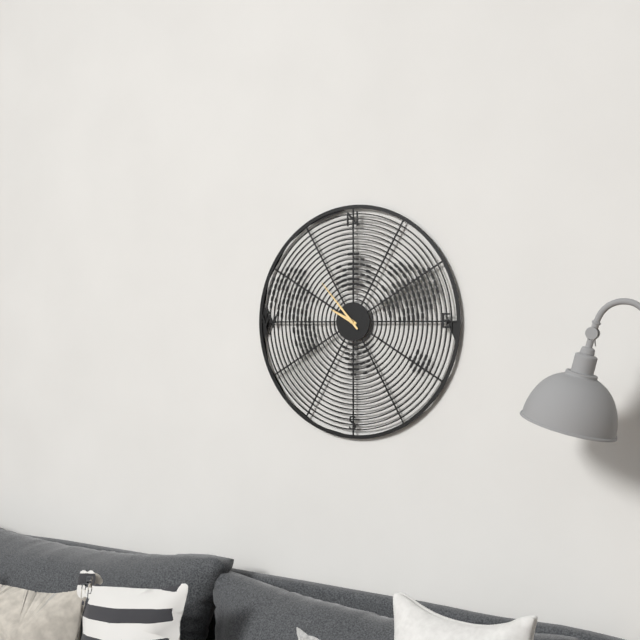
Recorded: 9.53
